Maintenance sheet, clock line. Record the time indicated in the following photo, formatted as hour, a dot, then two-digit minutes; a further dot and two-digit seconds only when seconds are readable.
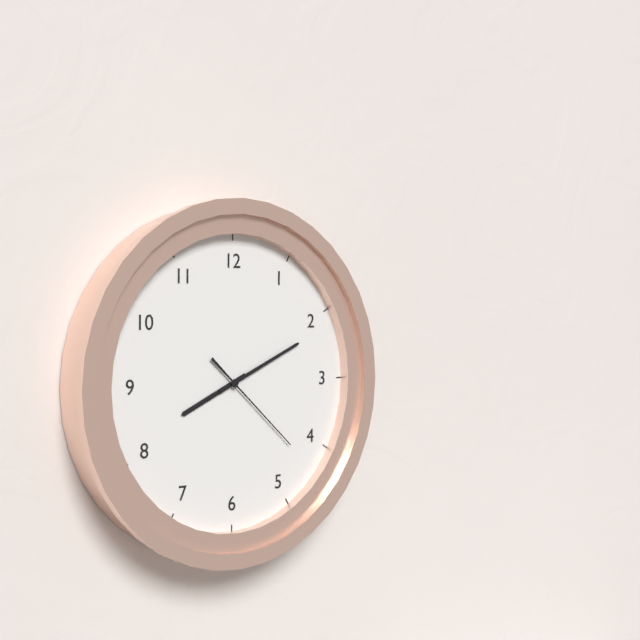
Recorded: 8.11.22
